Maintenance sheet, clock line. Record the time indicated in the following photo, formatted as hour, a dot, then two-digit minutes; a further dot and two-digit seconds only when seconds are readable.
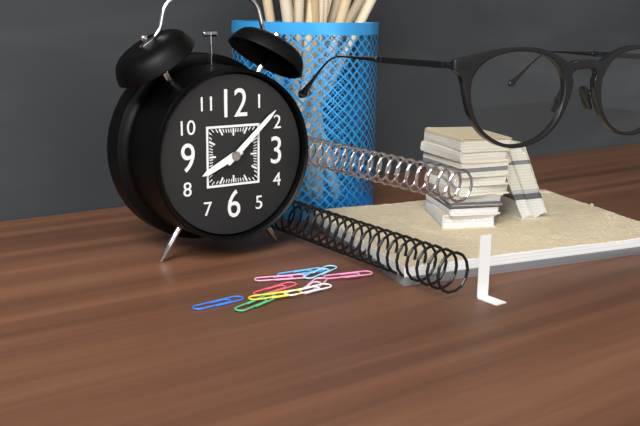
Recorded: 8.08
